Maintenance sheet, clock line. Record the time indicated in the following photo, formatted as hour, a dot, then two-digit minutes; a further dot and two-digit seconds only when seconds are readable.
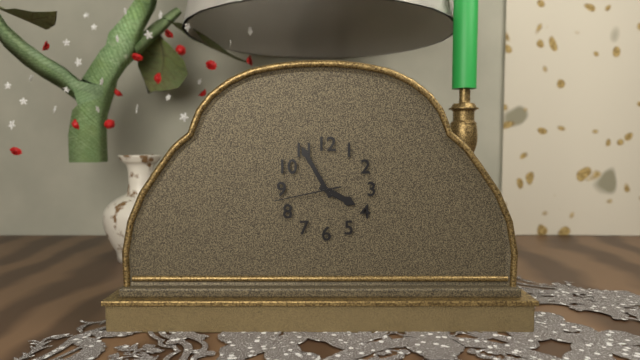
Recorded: 3.55.43
